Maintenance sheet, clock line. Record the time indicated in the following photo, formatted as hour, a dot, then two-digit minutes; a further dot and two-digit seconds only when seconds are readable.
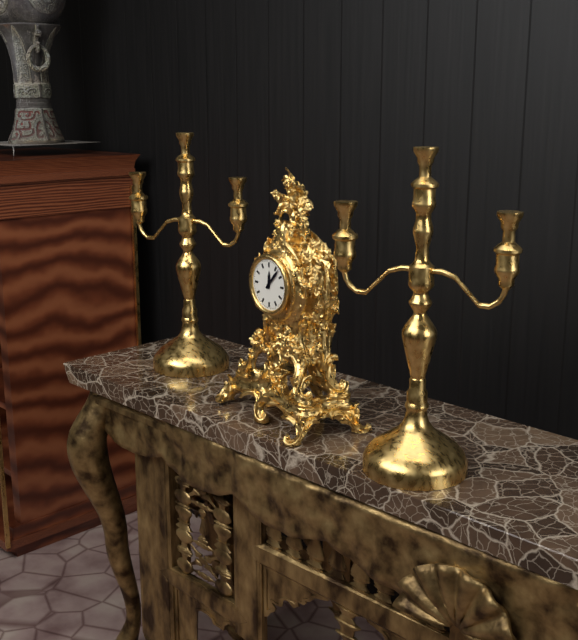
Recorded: 12.07
